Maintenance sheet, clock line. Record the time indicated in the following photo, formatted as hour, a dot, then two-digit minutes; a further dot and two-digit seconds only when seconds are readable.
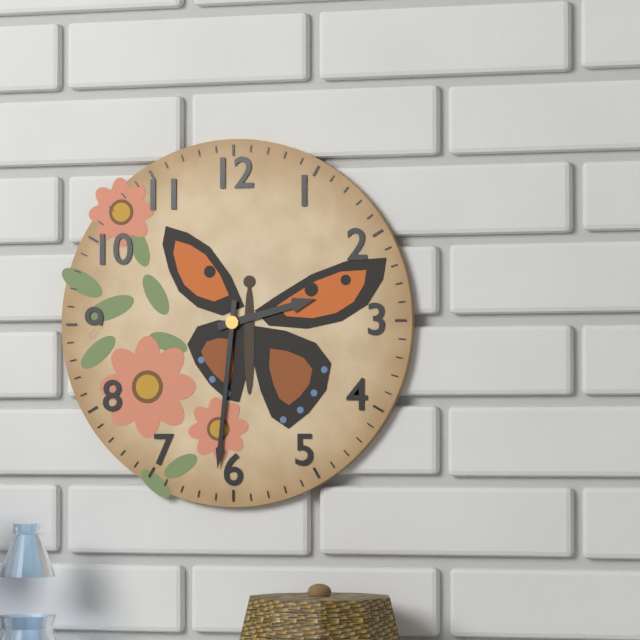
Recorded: 2.31
